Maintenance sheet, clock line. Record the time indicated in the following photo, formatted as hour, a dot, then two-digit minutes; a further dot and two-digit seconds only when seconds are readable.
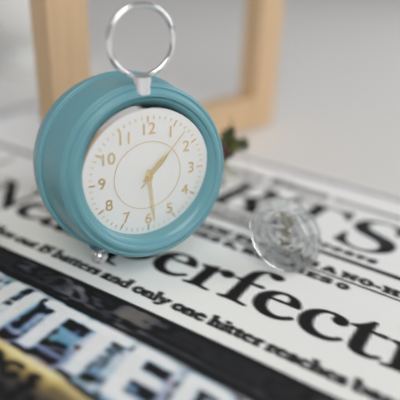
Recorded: 1.29.07
